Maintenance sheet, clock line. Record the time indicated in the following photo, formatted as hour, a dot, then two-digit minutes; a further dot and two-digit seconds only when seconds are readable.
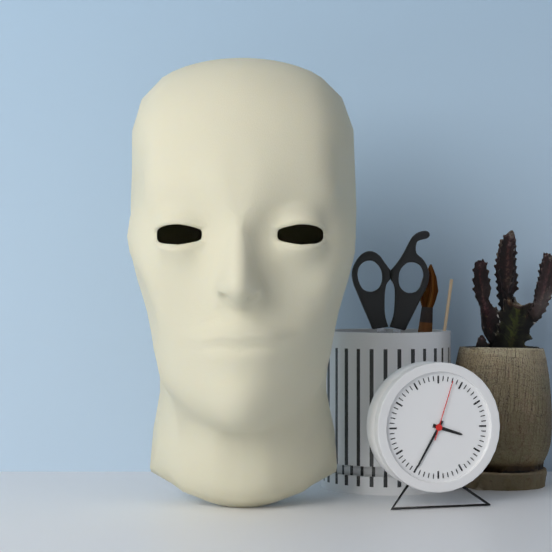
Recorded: 3.35.03
